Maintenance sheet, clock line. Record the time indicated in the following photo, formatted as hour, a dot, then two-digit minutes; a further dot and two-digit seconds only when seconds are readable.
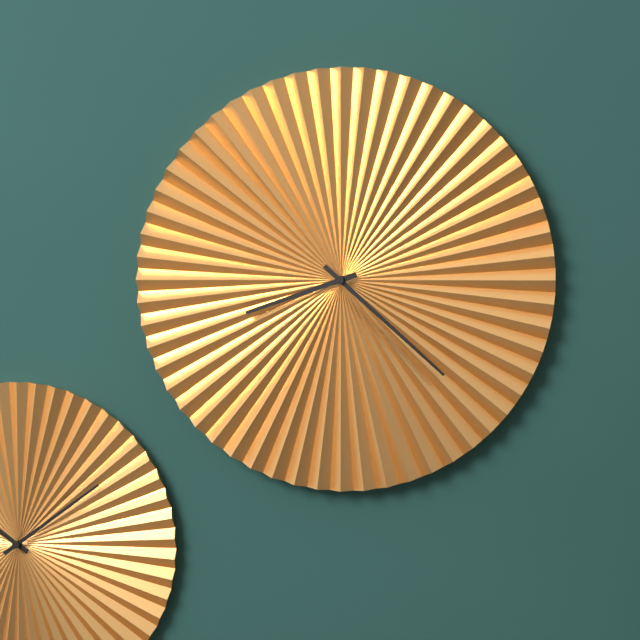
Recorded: 8.22
